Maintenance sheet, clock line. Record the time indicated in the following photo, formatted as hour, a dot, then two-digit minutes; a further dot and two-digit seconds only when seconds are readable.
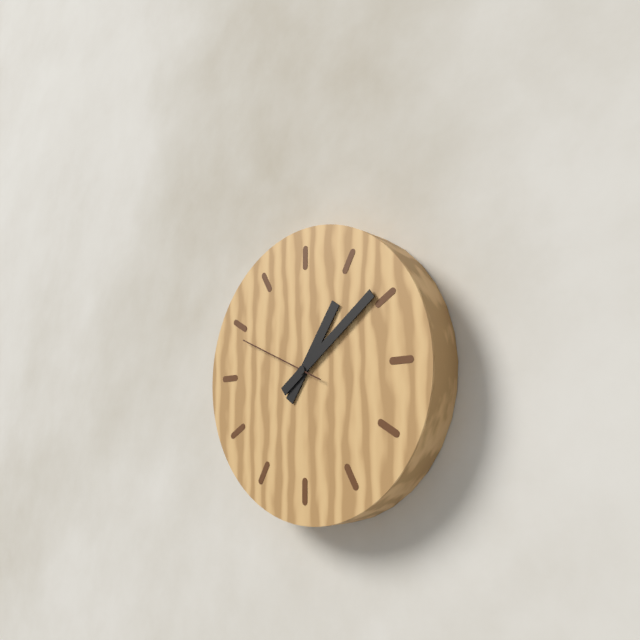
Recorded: 1.09.49
